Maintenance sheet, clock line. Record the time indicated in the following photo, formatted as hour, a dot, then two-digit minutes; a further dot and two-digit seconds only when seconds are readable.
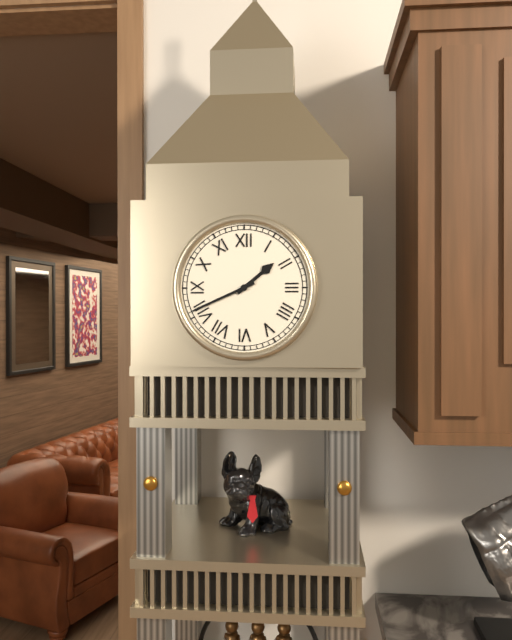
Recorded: 1.41
